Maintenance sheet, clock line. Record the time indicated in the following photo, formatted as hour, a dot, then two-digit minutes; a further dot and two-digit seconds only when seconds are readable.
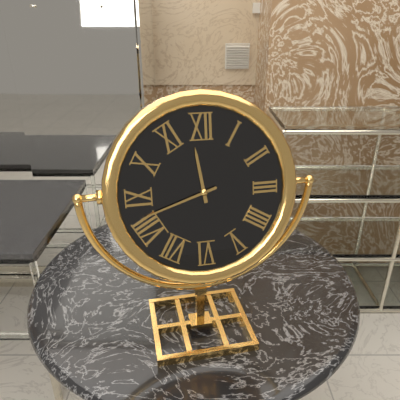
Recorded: 11.42
